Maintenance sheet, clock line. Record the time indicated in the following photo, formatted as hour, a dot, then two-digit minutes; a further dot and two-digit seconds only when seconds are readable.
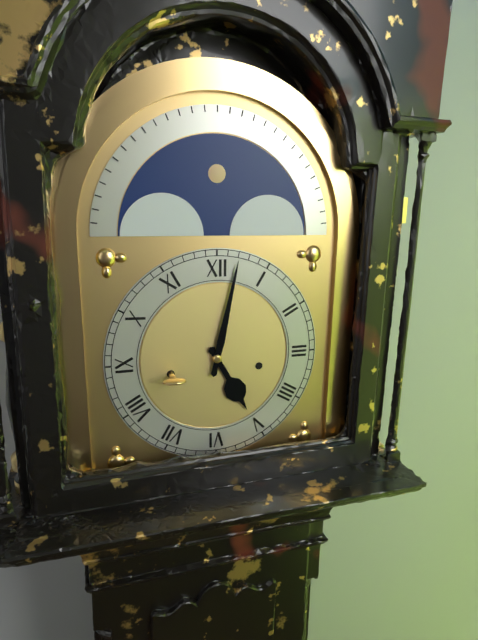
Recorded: 5.02
